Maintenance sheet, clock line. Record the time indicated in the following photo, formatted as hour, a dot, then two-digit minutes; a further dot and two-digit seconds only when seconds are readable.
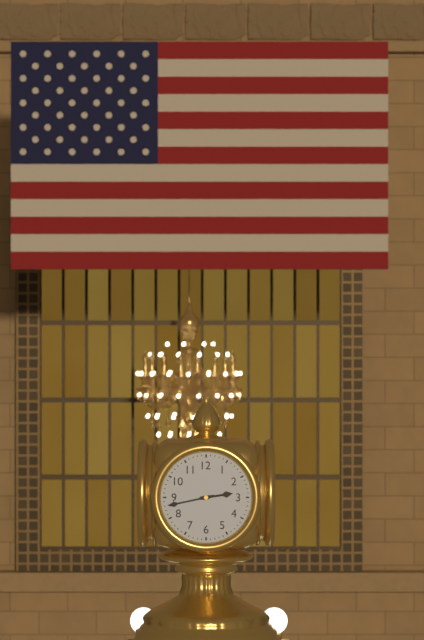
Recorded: 2.43
